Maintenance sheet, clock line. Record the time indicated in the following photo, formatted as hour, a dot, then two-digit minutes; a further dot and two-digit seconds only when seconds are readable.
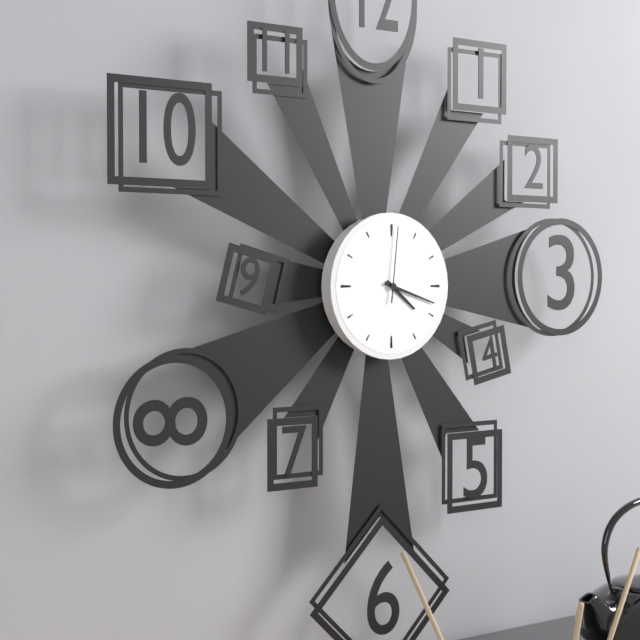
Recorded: 4.18.01
